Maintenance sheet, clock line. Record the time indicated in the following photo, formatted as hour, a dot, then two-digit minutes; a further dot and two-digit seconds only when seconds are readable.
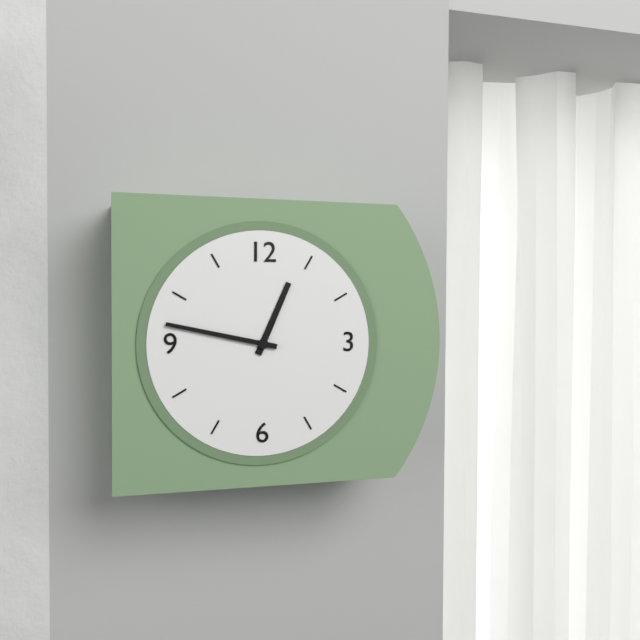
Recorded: 12.47
